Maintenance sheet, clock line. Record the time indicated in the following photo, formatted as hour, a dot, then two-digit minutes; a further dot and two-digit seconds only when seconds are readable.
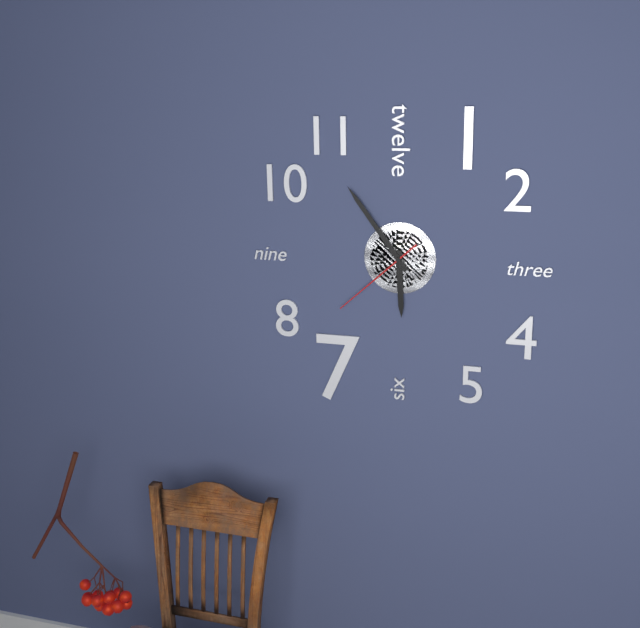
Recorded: 5.54.38
